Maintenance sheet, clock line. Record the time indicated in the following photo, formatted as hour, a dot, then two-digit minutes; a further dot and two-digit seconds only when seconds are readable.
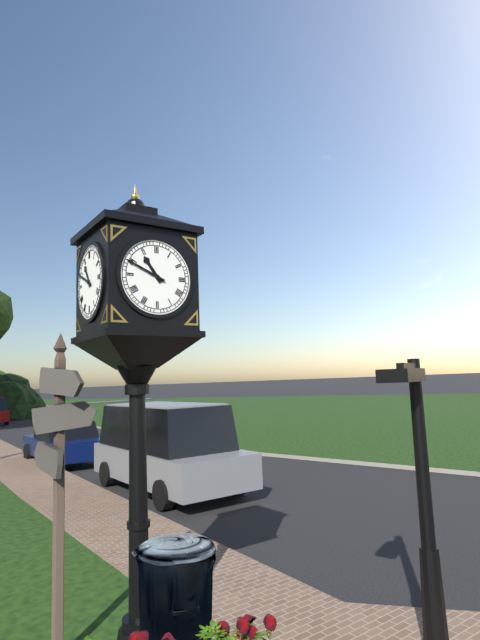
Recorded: 10.49
